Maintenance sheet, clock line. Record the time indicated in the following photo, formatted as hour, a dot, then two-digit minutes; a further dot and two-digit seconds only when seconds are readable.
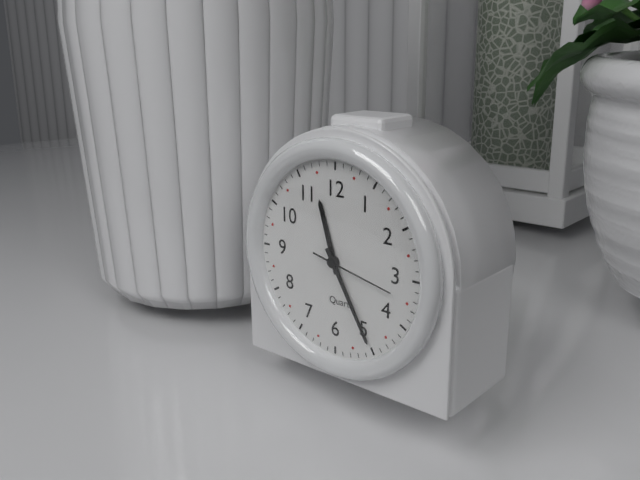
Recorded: 11.25.17
